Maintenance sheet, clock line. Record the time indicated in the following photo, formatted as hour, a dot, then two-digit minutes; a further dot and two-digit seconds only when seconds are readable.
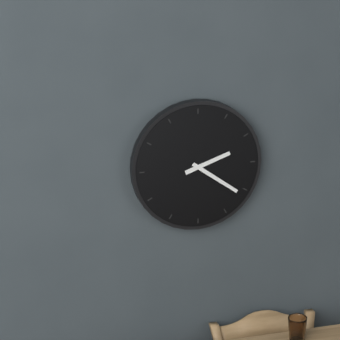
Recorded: 2.21
